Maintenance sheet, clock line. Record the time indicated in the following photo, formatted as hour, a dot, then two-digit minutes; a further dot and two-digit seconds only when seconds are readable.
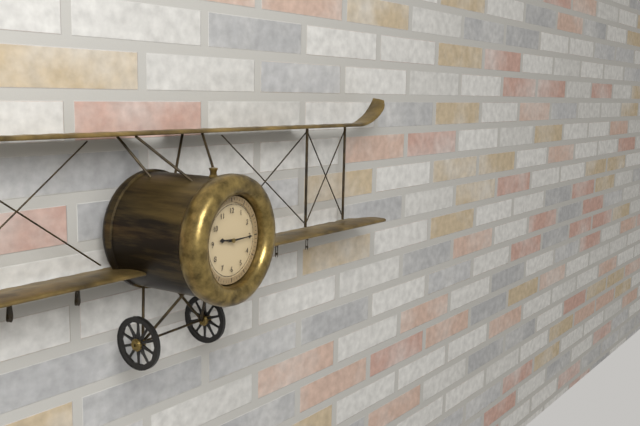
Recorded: 9.15
